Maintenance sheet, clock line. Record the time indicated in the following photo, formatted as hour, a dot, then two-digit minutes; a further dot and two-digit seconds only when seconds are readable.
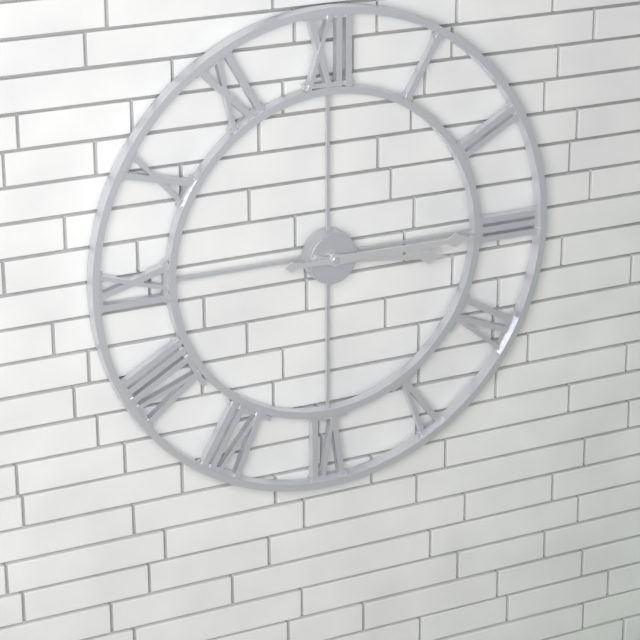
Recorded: 3.15
